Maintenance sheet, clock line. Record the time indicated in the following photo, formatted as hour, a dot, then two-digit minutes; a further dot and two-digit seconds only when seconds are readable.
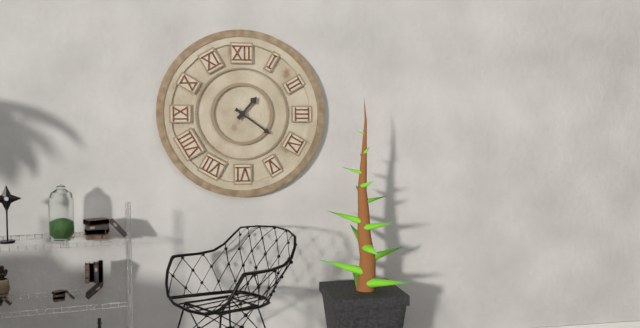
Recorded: 1.21
